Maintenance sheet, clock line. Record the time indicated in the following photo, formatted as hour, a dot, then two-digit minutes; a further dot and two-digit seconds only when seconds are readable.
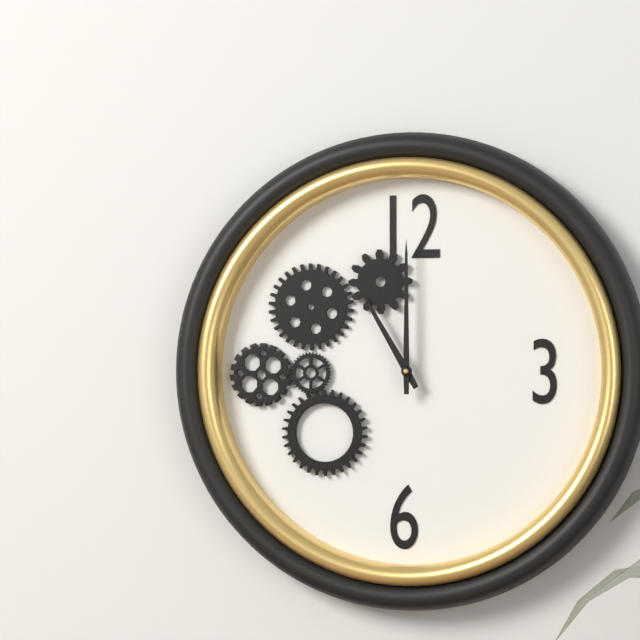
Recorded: 11.00
